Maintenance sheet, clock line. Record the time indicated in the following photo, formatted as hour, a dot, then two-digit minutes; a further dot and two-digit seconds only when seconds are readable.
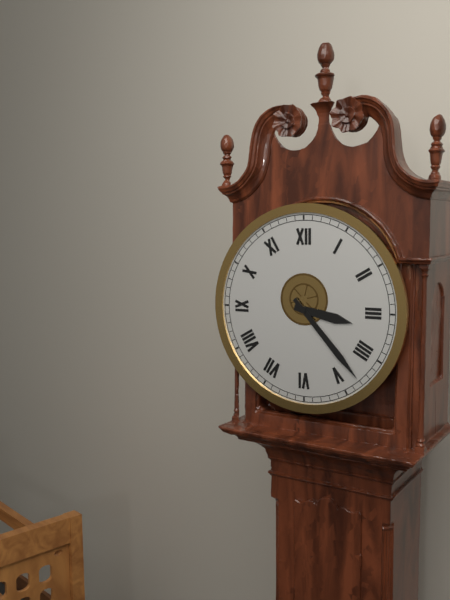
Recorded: 3.23
